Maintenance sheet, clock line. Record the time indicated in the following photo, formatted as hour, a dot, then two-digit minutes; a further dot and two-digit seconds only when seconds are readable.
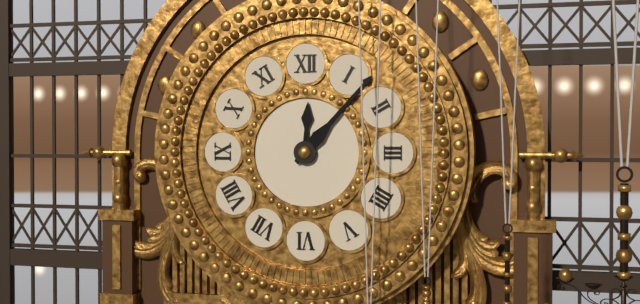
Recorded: 12.07
